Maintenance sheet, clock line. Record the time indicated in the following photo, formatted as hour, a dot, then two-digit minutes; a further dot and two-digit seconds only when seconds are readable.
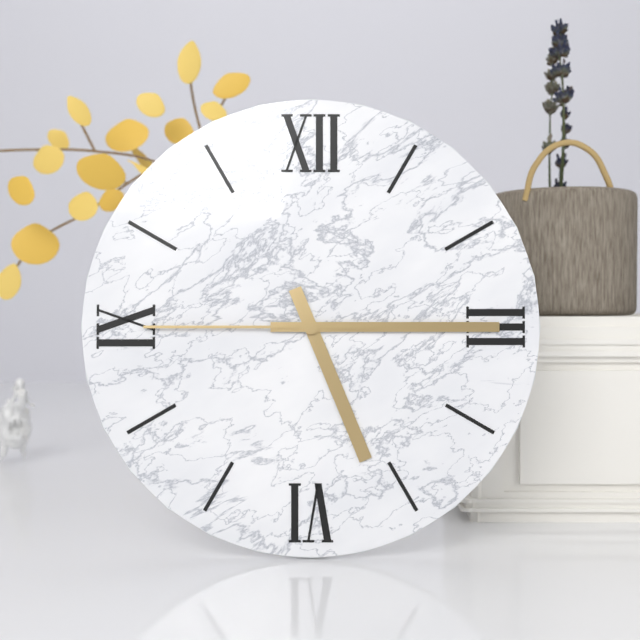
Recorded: 5.15.45
